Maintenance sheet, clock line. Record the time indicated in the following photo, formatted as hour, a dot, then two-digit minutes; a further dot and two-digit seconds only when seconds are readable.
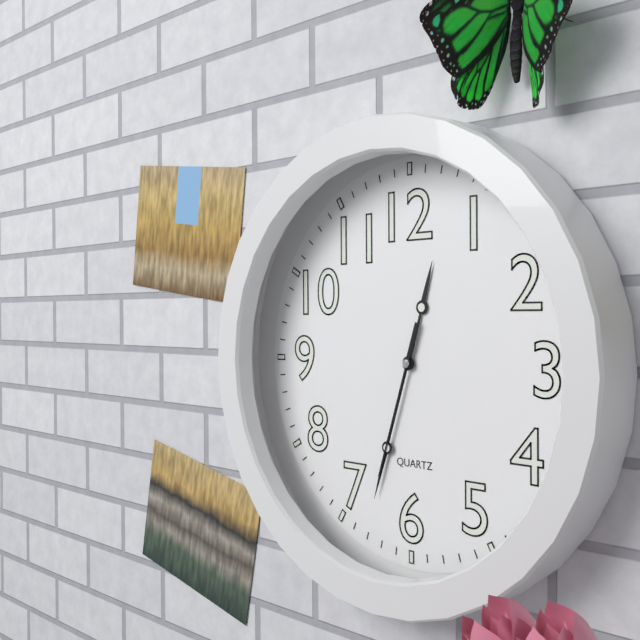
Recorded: 12.33.33
